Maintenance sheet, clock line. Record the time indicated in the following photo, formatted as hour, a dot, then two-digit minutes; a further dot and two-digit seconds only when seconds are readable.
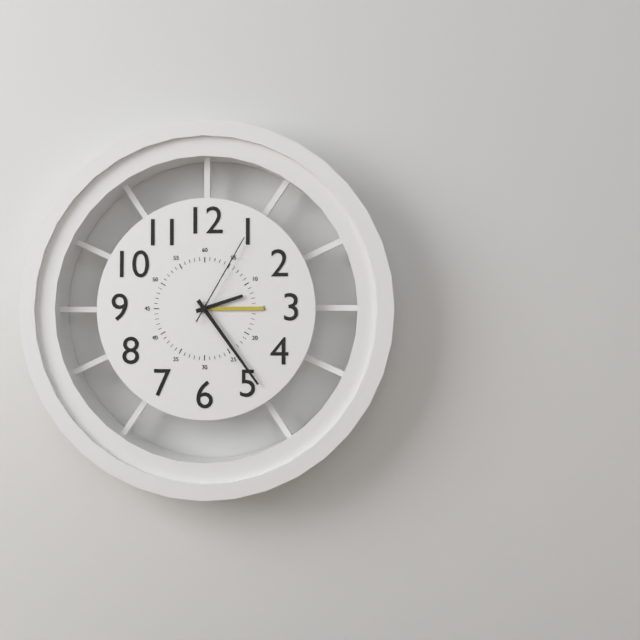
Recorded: 2.24.05
